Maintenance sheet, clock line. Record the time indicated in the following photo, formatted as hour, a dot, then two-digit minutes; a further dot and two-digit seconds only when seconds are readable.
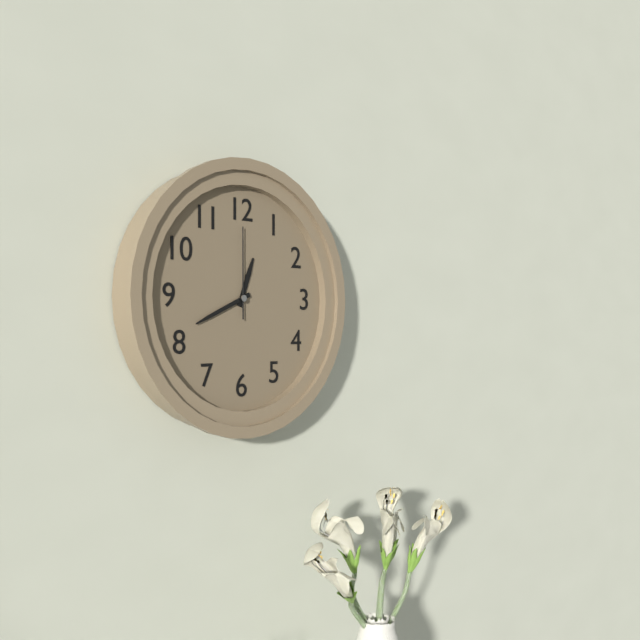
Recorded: 12.41.00
